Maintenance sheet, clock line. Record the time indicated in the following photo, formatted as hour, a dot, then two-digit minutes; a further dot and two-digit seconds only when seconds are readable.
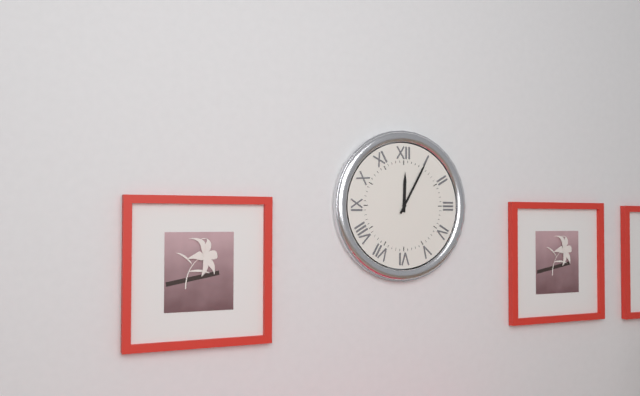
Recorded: 12.05
